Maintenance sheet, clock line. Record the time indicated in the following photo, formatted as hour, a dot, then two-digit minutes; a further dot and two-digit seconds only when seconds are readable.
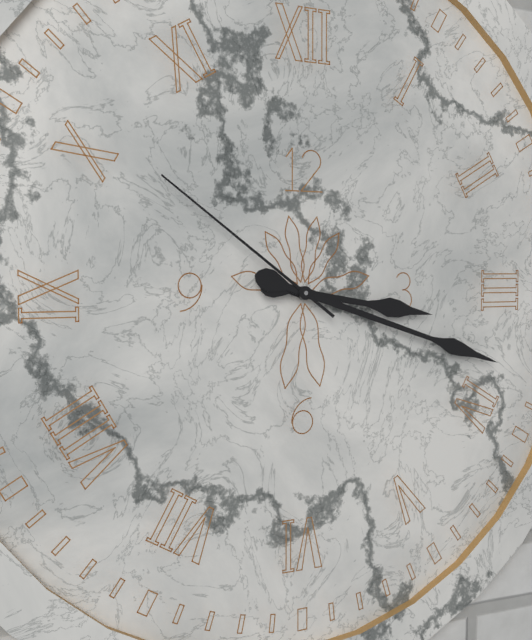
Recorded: 3.18.51
